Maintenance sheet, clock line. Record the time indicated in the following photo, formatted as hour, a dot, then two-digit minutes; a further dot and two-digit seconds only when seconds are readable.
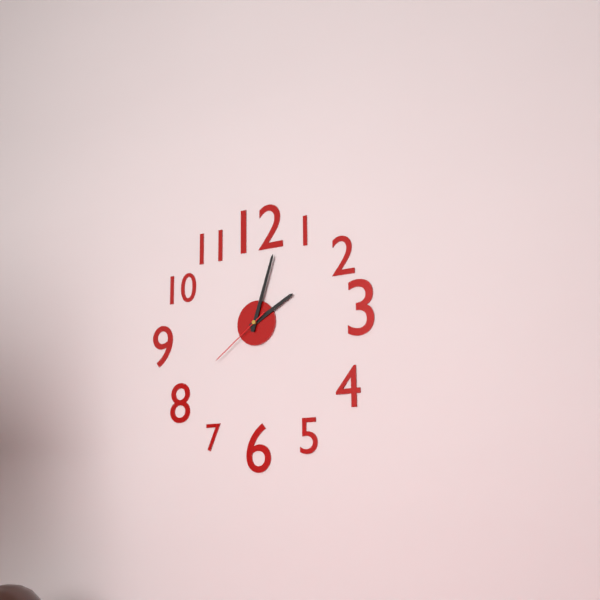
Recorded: 2.03.39
